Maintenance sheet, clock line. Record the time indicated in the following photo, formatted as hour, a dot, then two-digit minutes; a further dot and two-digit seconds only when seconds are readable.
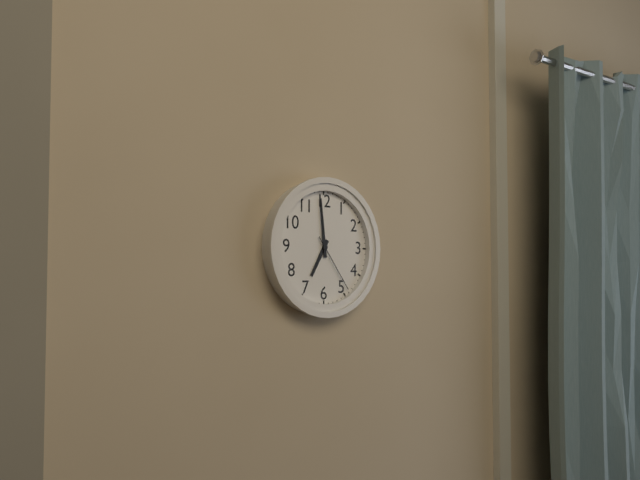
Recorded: 6.59.24
